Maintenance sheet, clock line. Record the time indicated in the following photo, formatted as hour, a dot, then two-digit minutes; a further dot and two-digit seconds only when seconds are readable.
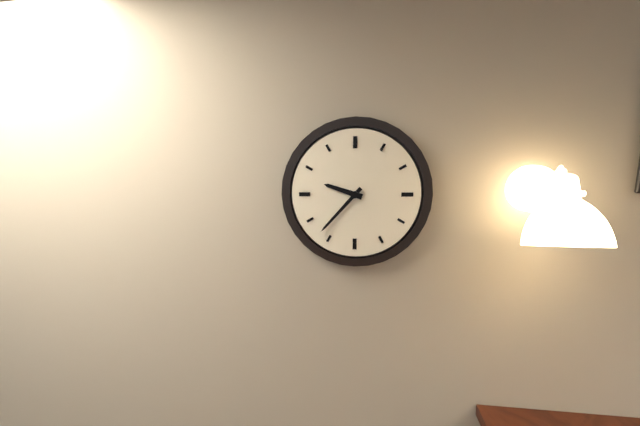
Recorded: 9.37
